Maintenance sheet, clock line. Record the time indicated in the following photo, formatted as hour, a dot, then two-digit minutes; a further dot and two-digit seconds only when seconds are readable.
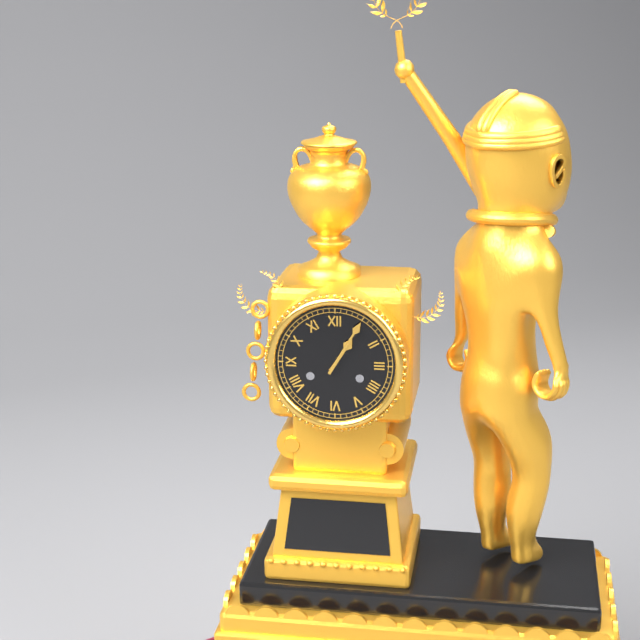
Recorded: 1.05
